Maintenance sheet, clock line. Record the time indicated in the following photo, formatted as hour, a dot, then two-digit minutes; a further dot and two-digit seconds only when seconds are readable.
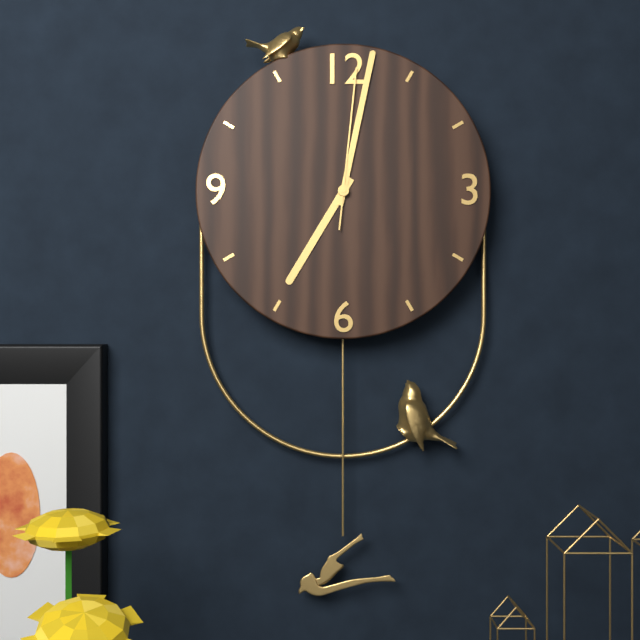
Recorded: 7.02.01
